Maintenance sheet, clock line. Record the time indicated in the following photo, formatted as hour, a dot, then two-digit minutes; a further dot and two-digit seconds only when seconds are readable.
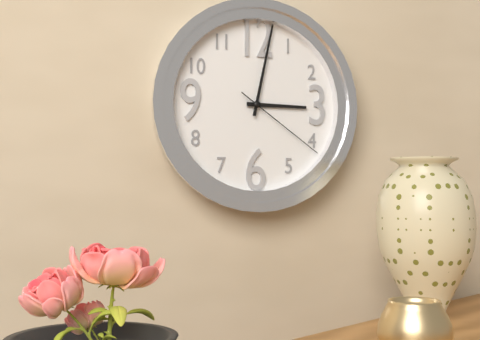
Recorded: 3.02.21
